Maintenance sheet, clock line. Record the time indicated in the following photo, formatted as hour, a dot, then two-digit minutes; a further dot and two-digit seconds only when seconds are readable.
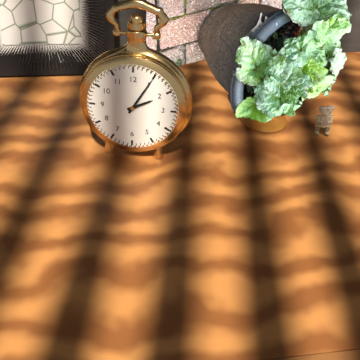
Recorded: 2.05
